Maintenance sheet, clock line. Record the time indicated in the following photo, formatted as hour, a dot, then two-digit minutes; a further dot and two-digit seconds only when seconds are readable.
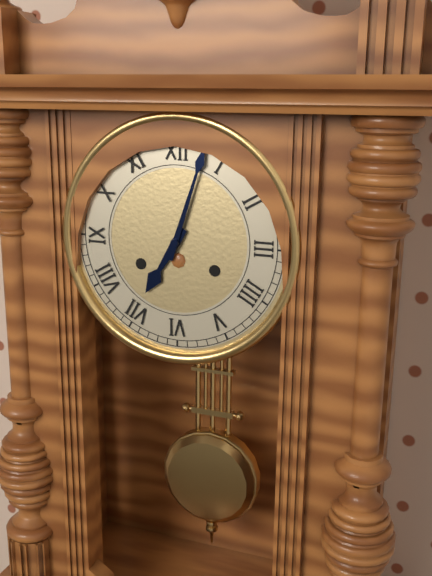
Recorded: 7.03
